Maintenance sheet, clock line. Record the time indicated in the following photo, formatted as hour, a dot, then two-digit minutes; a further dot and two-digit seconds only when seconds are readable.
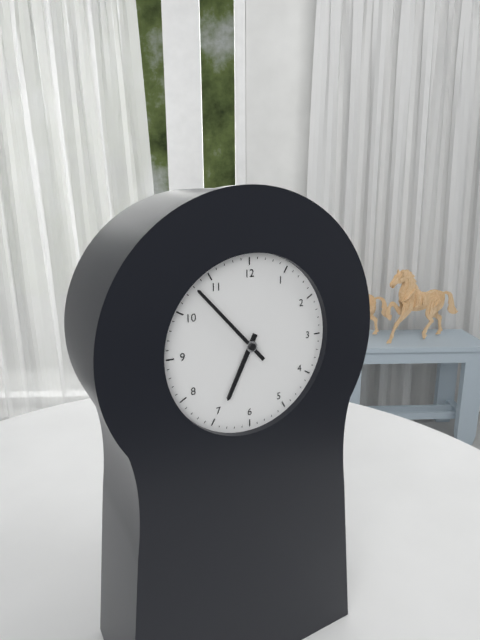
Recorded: 6.53
